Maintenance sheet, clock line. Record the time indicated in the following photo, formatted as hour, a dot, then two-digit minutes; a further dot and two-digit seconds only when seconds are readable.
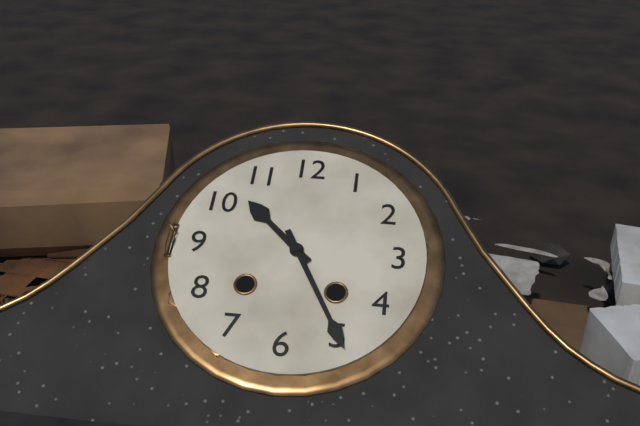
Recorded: 10.25
